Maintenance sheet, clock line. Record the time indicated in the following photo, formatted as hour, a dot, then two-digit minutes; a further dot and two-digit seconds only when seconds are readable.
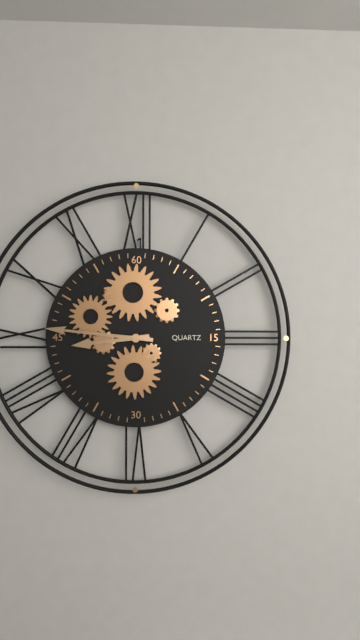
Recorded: 8.46
